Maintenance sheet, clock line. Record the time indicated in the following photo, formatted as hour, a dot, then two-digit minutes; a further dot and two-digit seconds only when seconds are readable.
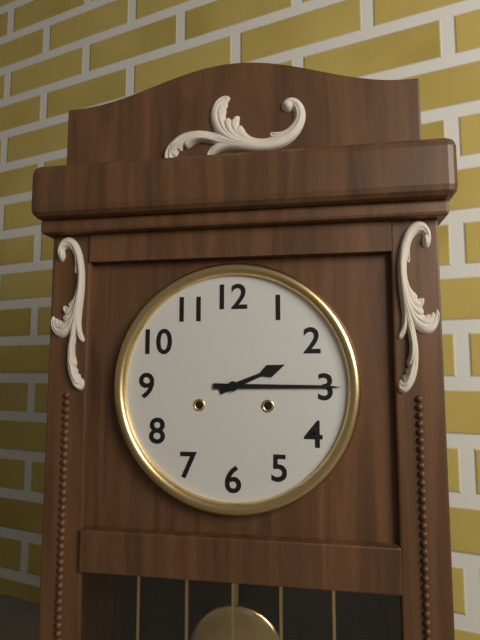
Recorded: 2.15
